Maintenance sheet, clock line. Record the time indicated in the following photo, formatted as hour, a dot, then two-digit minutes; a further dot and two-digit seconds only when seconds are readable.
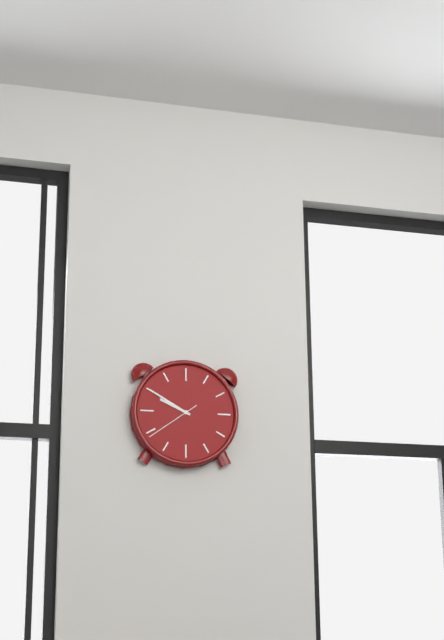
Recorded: 9.50.39
